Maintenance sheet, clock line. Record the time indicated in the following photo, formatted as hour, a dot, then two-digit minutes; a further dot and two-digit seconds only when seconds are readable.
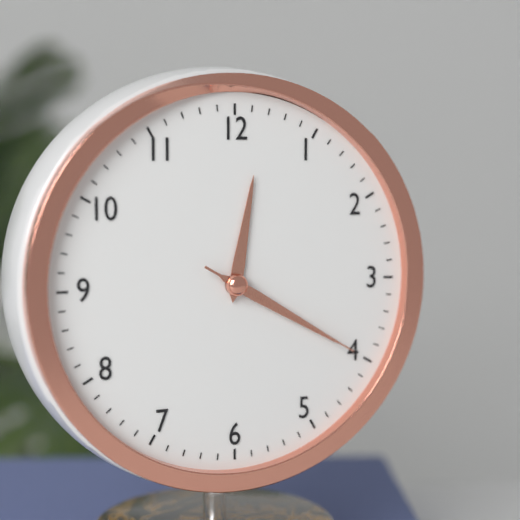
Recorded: 12.20.20
